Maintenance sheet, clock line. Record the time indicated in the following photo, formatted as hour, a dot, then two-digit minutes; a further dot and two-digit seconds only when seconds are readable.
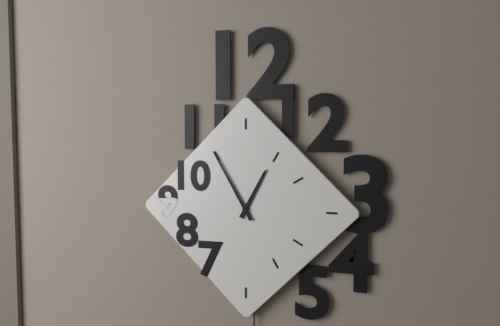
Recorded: 12.55
